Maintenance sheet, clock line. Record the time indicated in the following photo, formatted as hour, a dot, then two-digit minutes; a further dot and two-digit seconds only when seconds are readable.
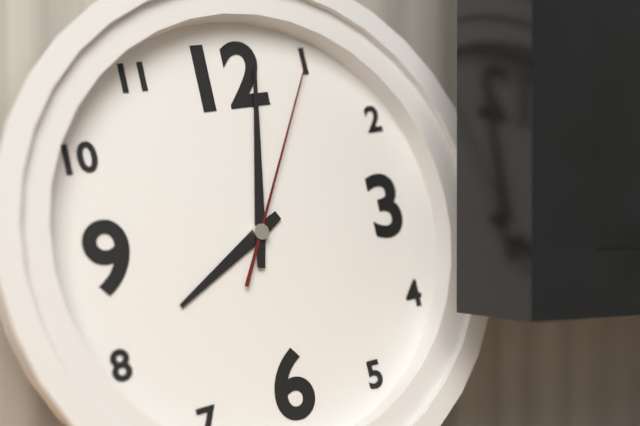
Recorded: 8.02.05
